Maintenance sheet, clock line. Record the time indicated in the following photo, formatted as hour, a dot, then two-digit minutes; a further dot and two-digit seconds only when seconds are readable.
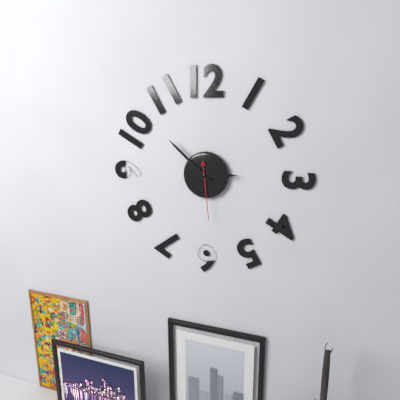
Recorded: 2.52.29
